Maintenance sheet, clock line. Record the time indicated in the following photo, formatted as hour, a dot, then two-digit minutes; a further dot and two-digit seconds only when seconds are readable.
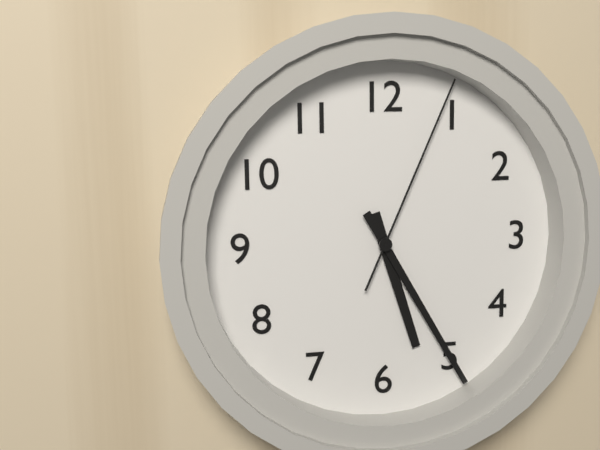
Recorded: 5.25.04
